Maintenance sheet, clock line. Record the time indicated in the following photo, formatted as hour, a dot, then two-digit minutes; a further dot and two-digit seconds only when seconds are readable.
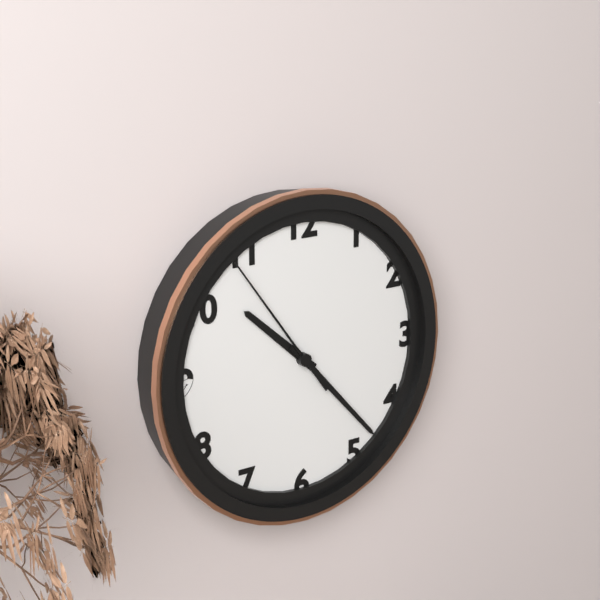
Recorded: 10.23.54
